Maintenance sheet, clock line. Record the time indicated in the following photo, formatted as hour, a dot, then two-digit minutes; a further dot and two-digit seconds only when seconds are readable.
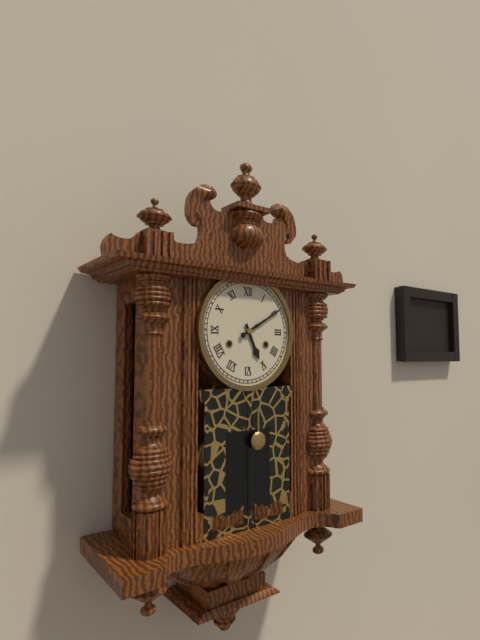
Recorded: 5.10
